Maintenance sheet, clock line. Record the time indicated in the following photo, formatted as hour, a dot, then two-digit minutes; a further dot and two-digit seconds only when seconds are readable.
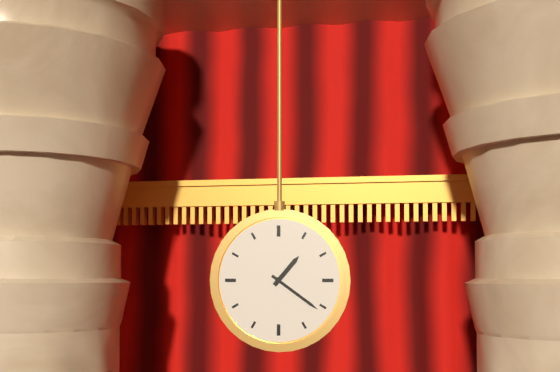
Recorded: 1.21
